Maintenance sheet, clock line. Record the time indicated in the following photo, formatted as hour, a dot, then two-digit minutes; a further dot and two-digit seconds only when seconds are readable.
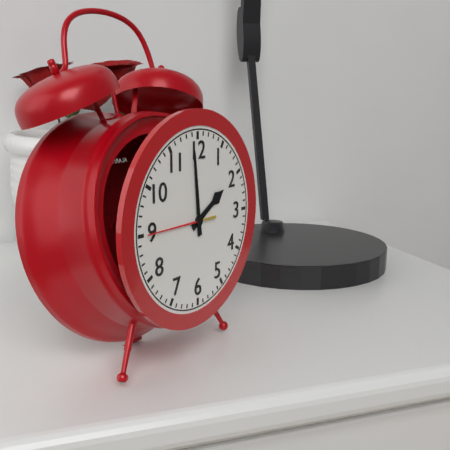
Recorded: 1.59.45
